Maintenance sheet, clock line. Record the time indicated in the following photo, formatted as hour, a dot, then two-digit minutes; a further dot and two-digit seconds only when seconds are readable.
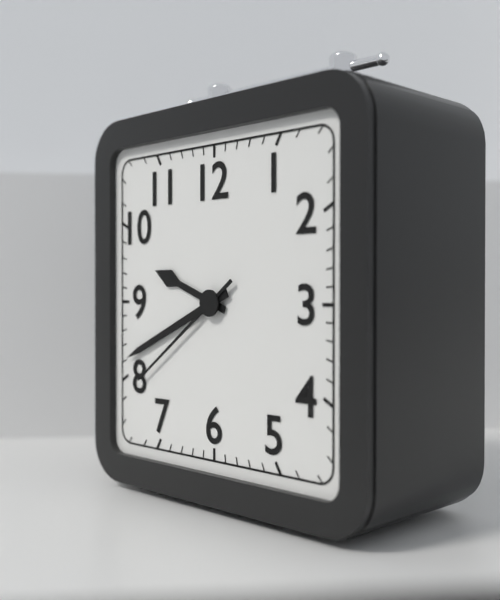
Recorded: 9.41.39
